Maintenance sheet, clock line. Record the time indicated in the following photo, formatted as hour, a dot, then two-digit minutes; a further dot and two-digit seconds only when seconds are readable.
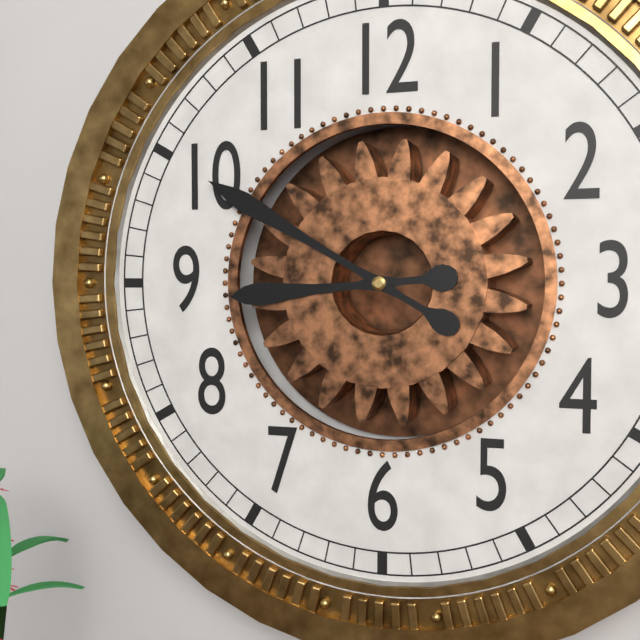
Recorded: 8.50
